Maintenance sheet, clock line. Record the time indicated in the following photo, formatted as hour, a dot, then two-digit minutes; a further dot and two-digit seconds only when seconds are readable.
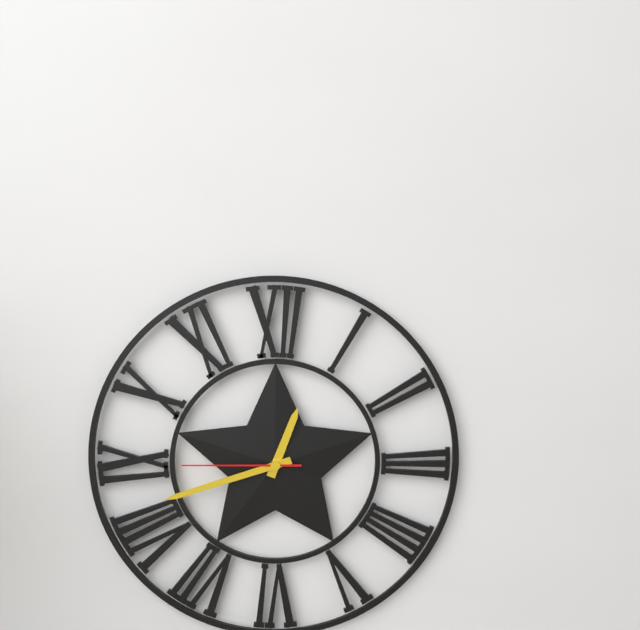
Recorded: 12.42.45
